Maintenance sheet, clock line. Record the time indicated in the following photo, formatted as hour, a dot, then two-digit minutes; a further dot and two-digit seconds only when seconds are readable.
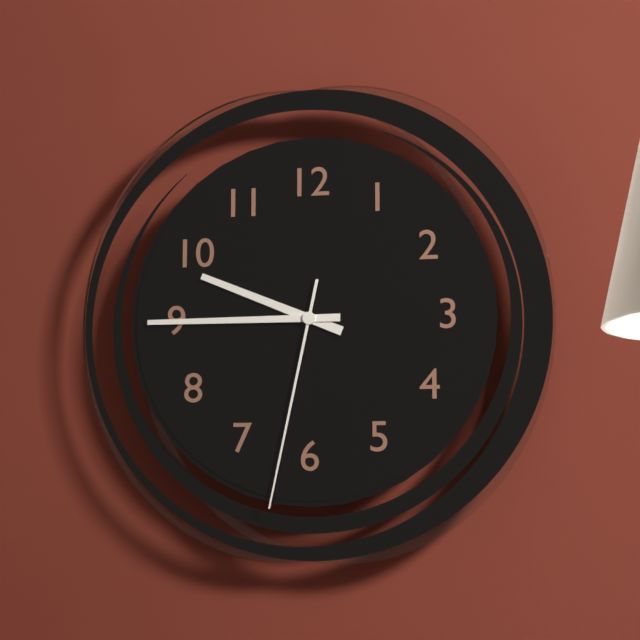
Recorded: 9.45.32
